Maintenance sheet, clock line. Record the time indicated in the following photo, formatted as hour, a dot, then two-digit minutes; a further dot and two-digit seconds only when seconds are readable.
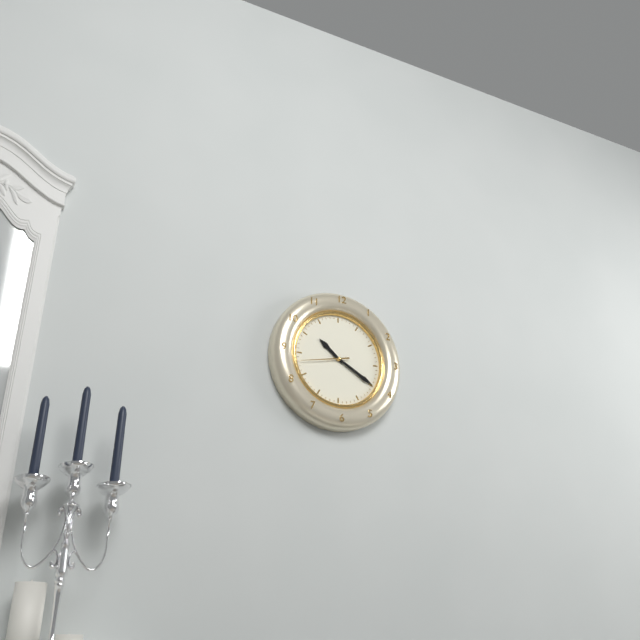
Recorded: 10.20
